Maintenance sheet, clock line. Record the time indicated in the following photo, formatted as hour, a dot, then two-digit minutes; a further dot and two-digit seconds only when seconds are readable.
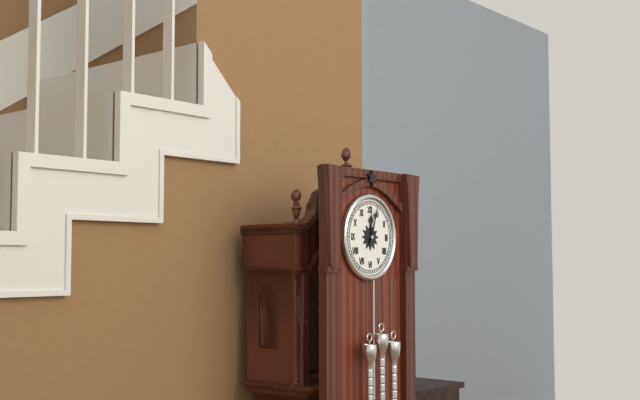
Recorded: 12.03
